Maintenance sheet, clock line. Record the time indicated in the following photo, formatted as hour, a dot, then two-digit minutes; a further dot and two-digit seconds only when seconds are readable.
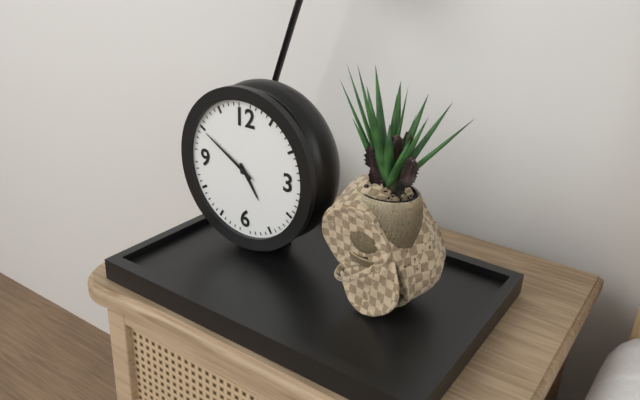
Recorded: 4.50
